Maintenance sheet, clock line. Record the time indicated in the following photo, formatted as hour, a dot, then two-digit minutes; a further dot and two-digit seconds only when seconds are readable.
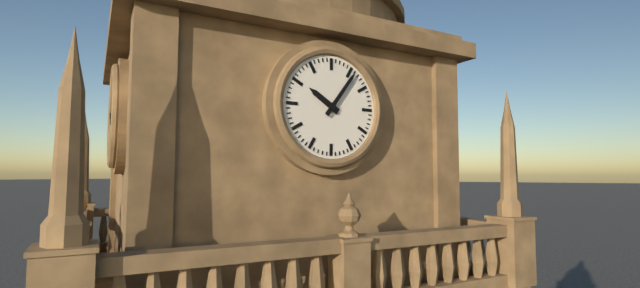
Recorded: 10.06
